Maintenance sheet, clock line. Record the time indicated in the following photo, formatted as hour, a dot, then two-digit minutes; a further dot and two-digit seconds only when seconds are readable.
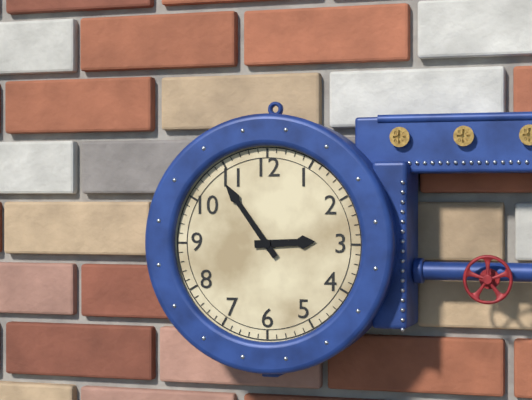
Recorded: 2.54
